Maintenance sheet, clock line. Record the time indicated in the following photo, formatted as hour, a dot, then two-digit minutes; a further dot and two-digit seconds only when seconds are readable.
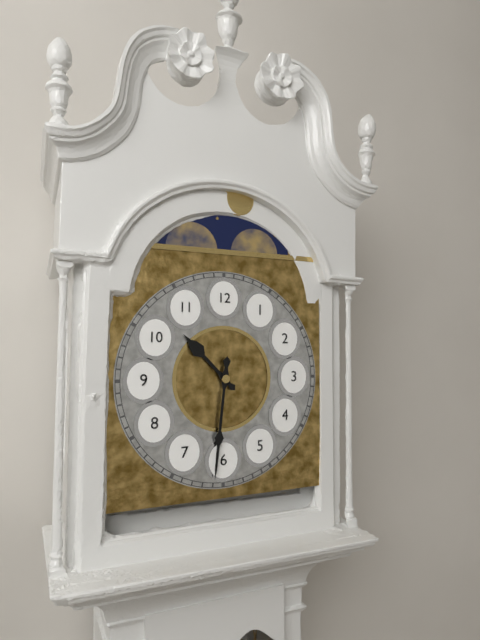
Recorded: 10.31
